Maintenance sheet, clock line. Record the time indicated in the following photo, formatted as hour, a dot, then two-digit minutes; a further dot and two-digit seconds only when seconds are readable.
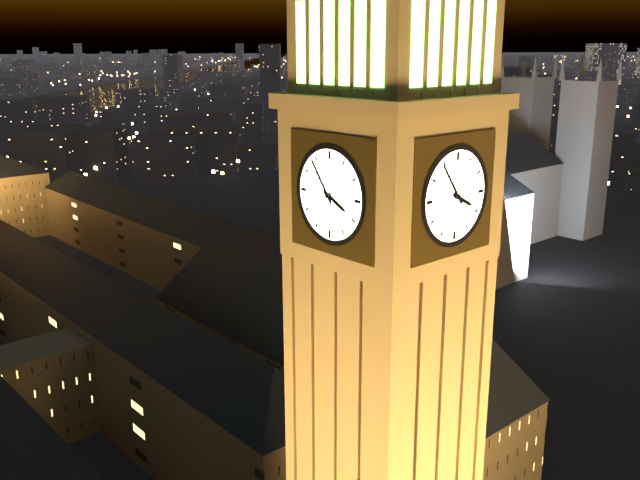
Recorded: 3.54
